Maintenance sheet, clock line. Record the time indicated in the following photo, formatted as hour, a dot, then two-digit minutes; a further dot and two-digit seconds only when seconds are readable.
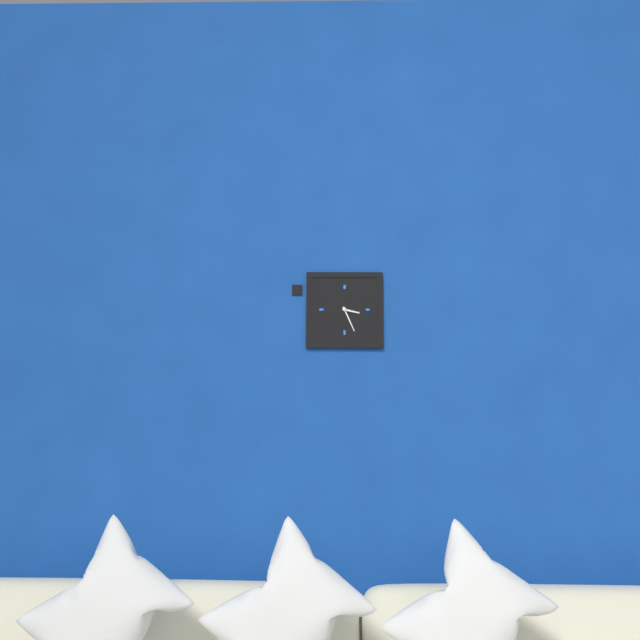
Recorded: 3.26
